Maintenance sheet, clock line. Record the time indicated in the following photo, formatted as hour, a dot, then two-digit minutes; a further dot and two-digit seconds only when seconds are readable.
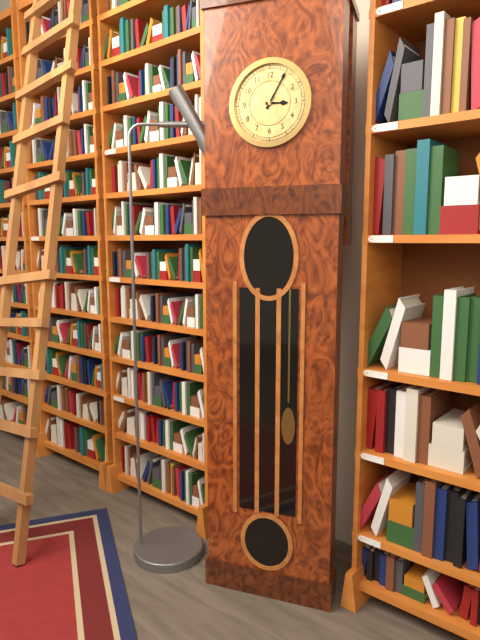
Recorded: 3.05
